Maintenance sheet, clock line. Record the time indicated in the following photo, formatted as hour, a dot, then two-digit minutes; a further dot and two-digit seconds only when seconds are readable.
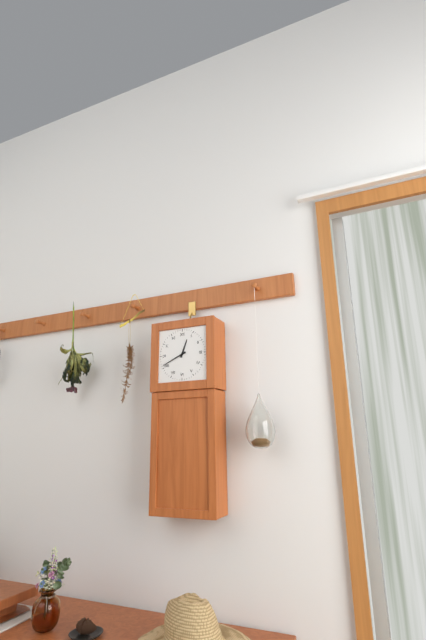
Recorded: 12.41
